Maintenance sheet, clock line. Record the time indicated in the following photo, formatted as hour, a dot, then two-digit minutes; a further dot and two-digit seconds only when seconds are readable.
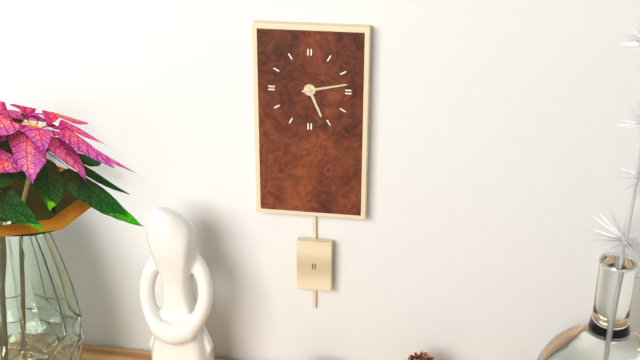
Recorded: 5.13
